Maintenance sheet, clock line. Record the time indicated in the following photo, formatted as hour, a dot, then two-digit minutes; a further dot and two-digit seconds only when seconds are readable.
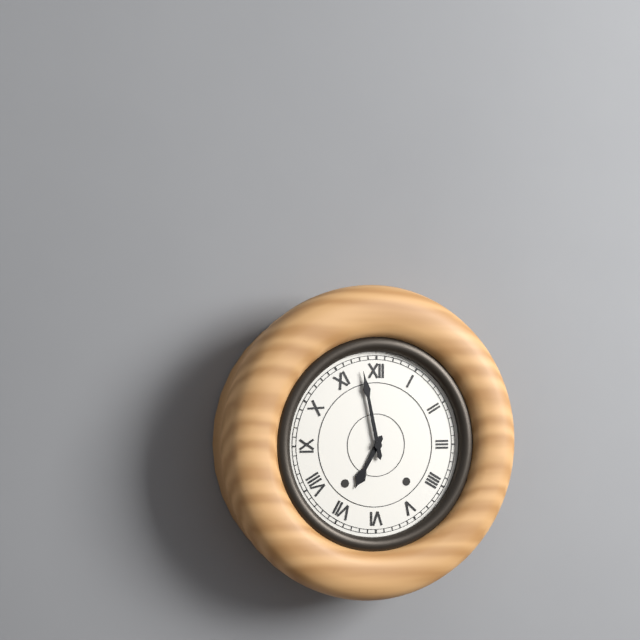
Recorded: 6.58
